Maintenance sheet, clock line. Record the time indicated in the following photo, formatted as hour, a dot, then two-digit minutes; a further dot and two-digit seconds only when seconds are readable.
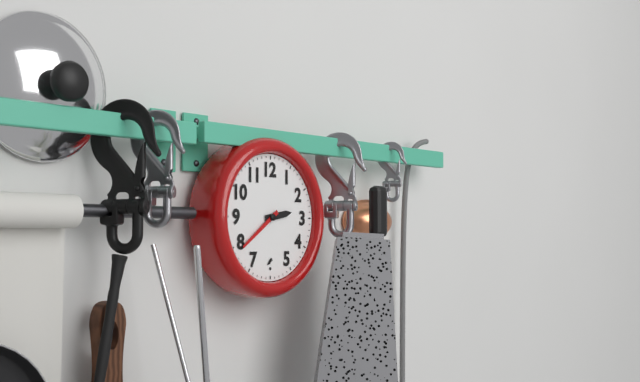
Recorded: 2.39
